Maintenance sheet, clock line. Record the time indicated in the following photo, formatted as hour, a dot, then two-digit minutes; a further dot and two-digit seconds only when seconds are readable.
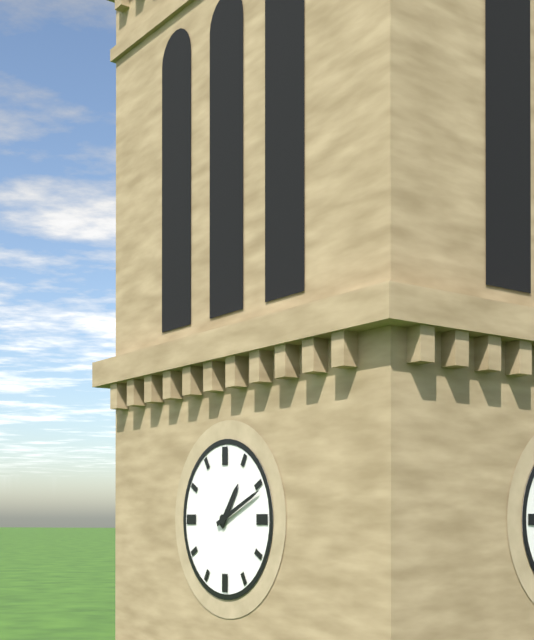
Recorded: 1.11
